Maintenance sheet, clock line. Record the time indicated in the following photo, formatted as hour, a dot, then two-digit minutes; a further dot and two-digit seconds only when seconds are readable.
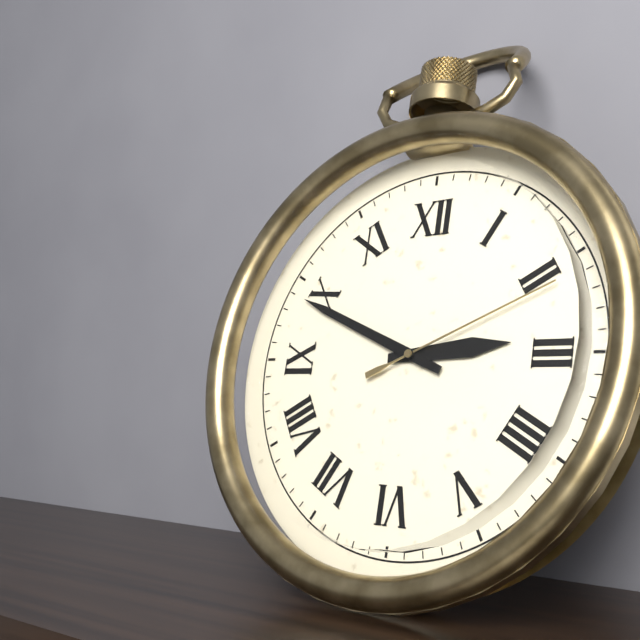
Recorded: 2.49.11
